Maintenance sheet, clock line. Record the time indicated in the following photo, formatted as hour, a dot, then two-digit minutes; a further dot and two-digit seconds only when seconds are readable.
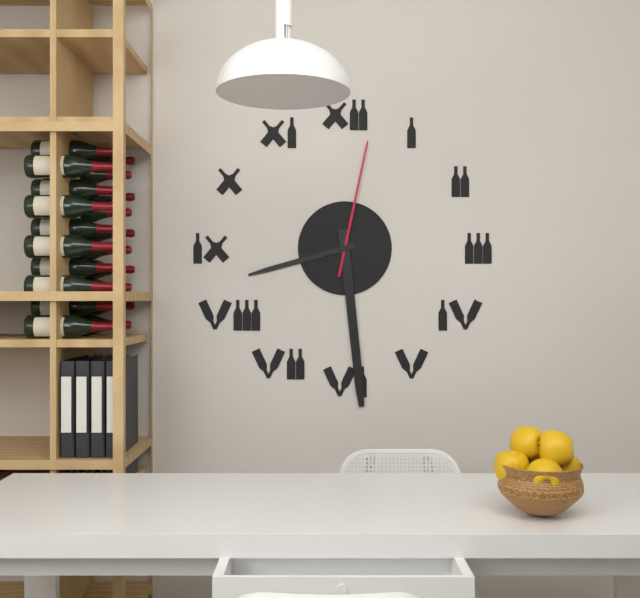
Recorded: 8.29.02
